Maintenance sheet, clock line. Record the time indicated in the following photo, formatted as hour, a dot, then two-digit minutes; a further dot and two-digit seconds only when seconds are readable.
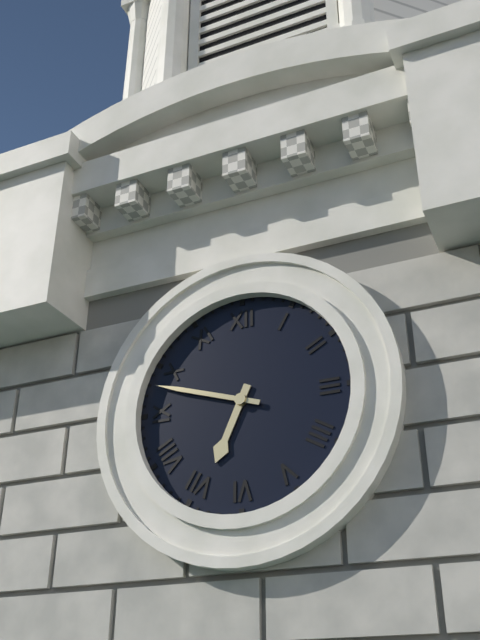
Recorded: 6.48
